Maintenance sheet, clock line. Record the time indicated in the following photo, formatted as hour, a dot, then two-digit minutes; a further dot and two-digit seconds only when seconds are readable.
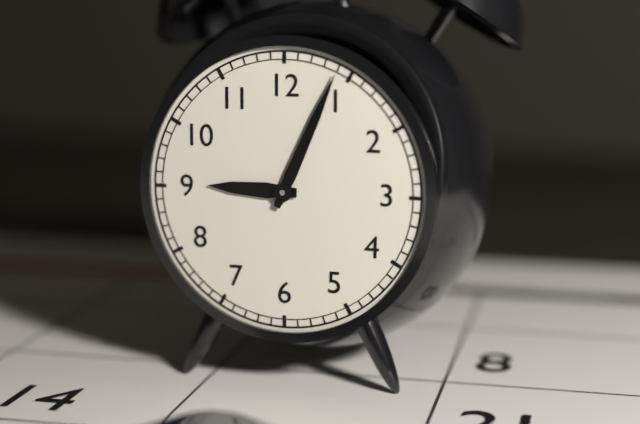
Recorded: 9.04
